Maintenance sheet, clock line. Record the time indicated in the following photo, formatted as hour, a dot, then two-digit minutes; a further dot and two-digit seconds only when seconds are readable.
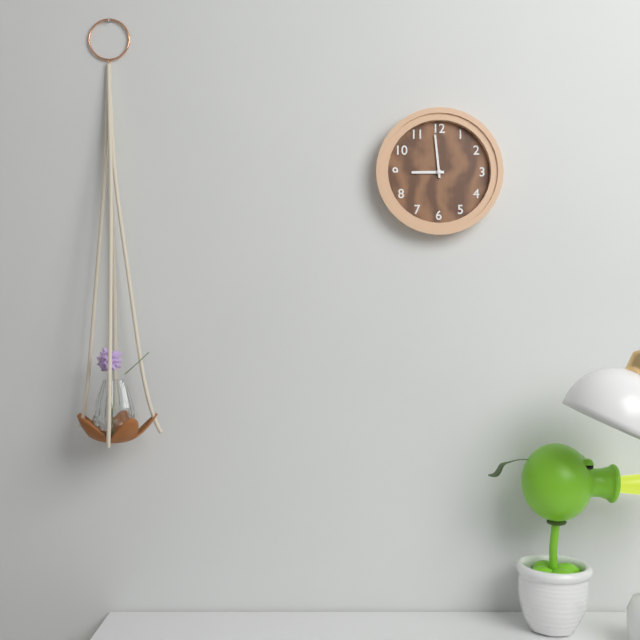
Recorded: 8.59
